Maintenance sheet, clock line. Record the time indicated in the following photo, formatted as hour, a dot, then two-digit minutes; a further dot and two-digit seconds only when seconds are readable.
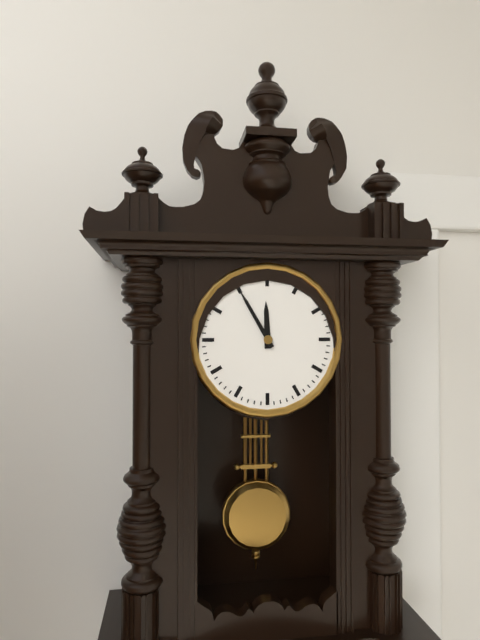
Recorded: 11.55
